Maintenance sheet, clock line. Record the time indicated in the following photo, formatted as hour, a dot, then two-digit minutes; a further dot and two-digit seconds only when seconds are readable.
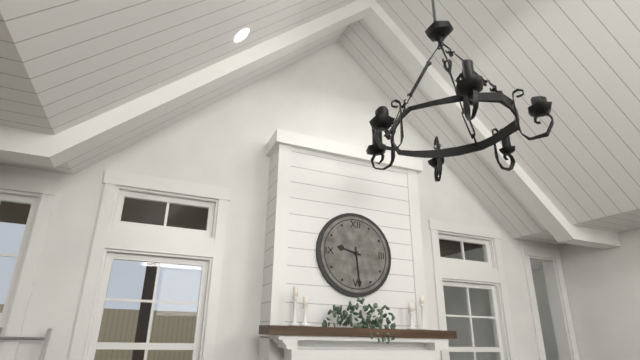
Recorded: 9.29
